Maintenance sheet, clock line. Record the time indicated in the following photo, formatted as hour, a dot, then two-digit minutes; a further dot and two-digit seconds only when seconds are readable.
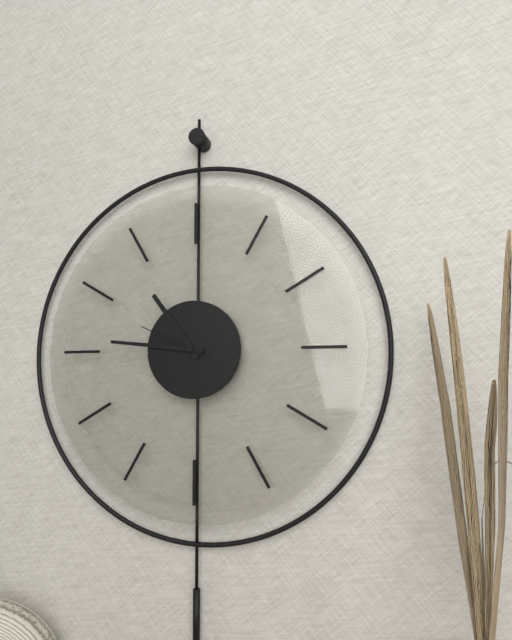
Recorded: 10.46.49
